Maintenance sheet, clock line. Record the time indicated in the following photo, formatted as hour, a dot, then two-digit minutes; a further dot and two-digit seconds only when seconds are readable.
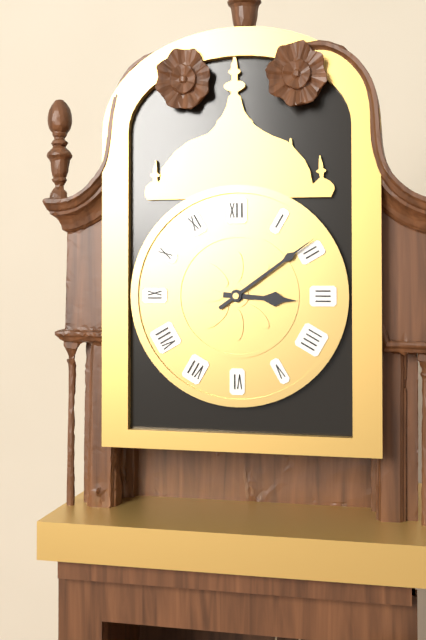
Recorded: 3.09
